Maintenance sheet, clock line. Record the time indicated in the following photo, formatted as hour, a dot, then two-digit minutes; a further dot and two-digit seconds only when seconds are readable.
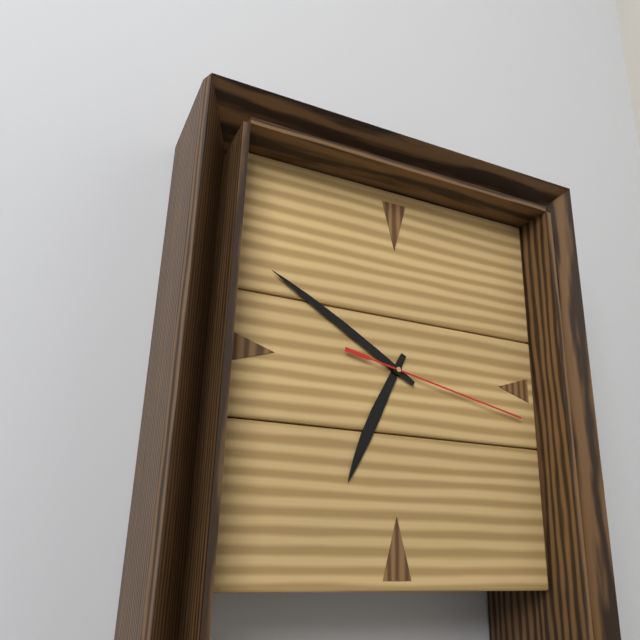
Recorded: 6.50.17
